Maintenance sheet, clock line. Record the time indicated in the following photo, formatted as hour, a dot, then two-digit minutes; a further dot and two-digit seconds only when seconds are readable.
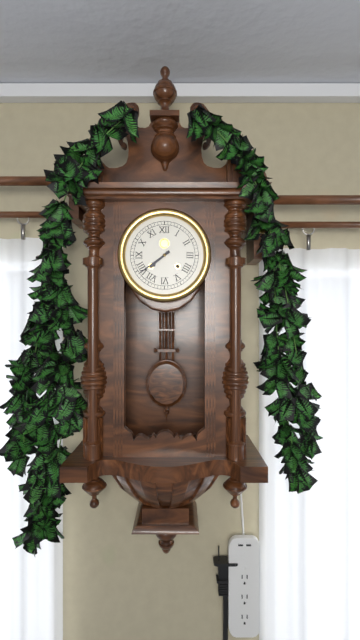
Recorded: 7.39
